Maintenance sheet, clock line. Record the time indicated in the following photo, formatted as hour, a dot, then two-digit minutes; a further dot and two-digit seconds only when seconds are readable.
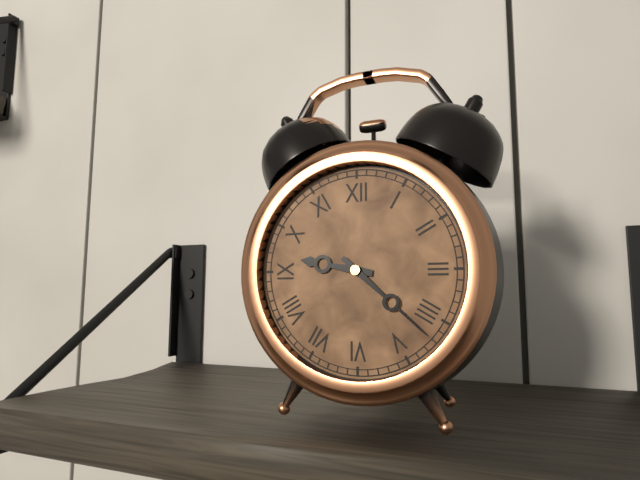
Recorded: 9.22
